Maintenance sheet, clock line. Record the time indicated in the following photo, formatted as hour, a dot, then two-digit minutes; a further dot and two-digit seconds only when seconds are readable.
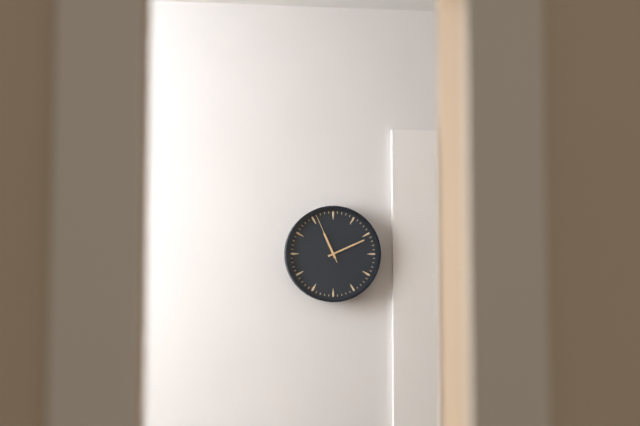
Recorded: 11.11
